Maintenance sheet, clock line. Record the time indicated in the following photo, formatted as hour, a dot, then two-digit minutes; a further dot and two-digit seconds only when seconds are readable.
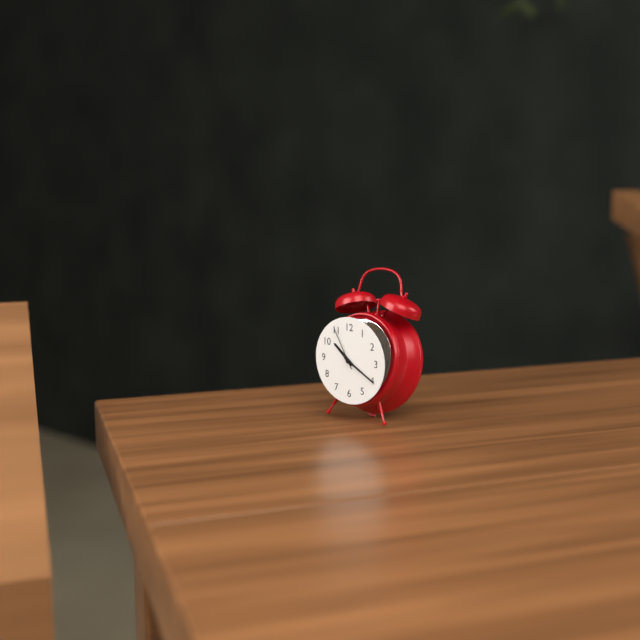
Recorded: 10.20
